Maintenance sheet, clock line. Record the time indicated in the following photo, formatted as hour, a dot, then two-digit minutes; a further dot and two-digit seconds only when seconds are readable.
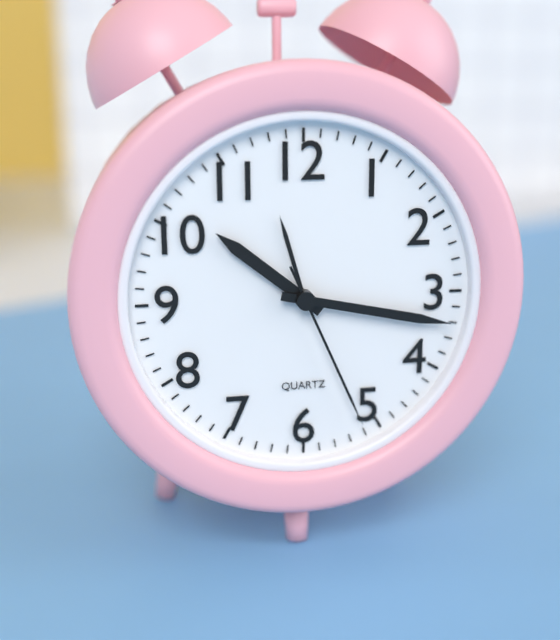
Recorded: 10.17.26
